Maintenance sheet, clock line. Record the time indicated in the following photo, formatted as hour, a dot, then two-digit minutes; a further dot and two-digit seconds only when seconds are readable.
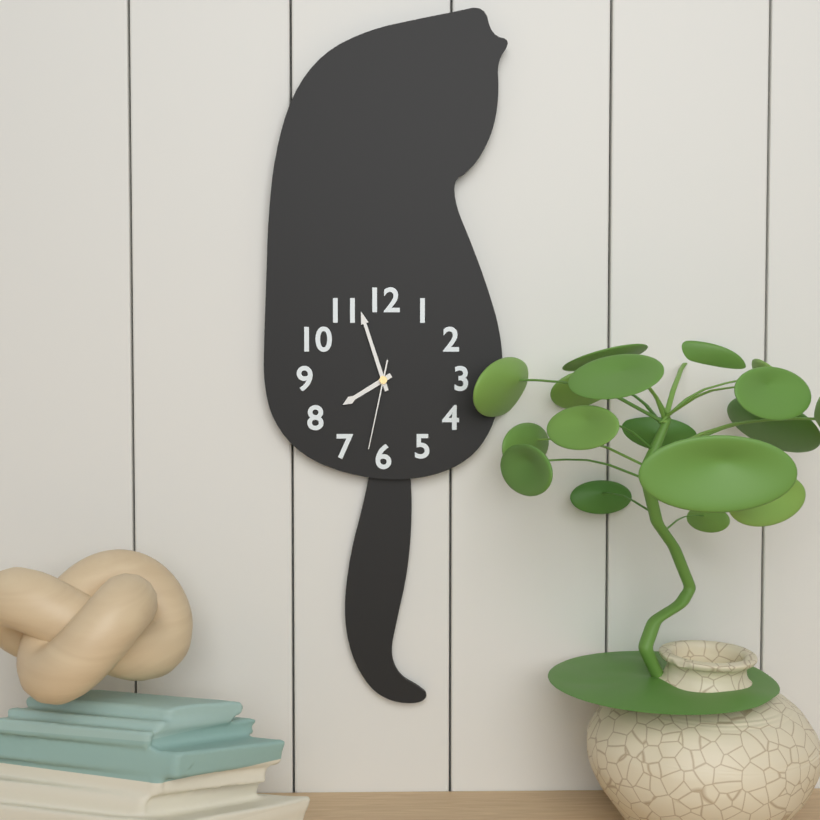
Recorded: 7.57.32
